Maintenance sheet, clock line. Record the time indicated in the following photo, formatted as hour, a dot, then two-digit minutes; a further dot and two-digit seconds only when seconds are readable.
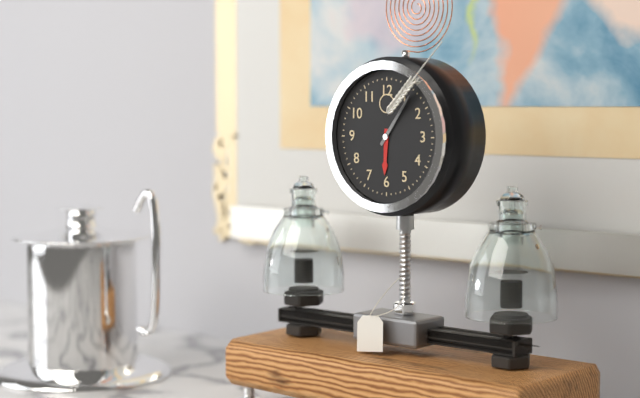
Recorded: 6.06
